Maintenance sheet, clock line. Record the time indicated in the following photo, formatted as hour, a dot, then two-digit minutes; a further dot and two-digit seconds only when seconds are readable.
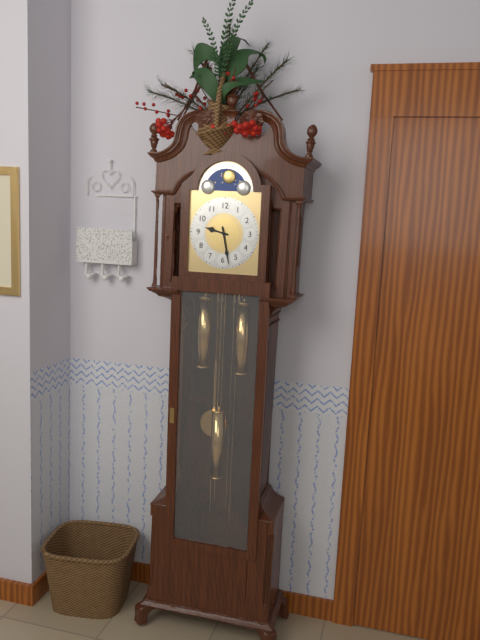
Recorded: 9.28
